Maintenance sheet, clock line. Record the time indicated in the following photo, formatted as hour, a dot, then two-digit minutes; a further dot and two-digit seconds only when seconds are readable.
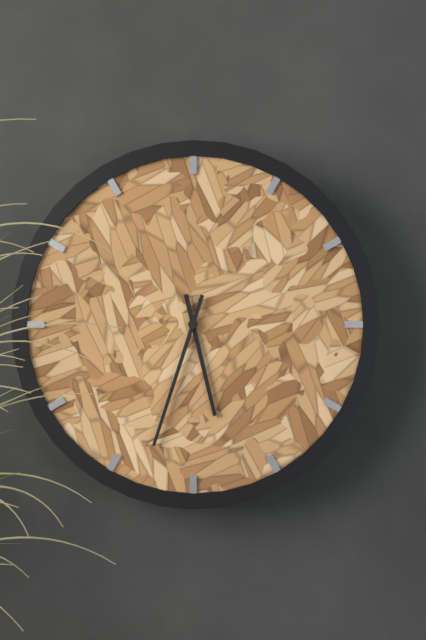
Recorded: 5.33
